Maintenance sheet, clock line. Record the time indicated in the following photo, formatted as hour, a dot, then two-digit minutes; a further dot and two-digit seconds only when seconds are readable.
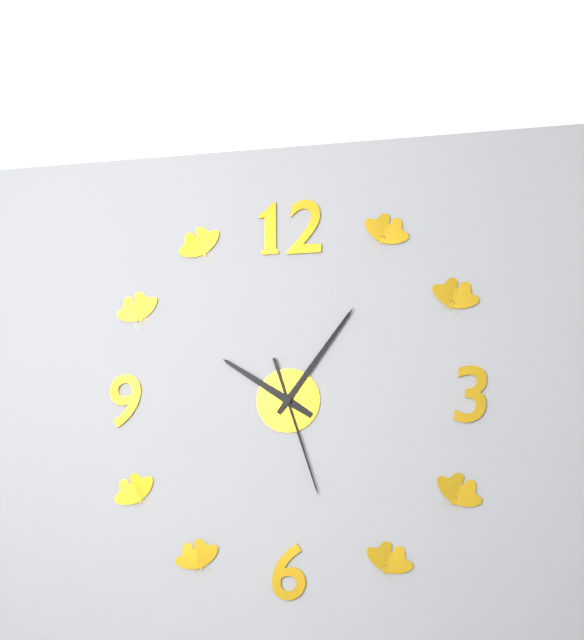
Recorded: 10.06.27
